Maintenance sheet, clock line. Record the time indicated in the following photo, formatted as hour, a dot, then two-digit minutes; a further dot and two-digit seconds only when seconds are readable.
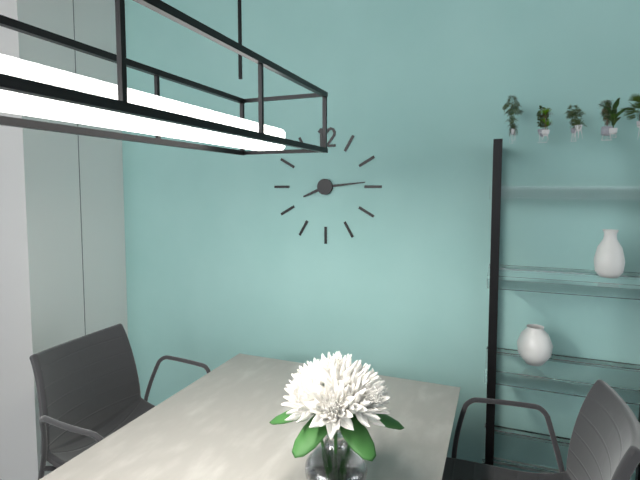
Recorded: 8.14
